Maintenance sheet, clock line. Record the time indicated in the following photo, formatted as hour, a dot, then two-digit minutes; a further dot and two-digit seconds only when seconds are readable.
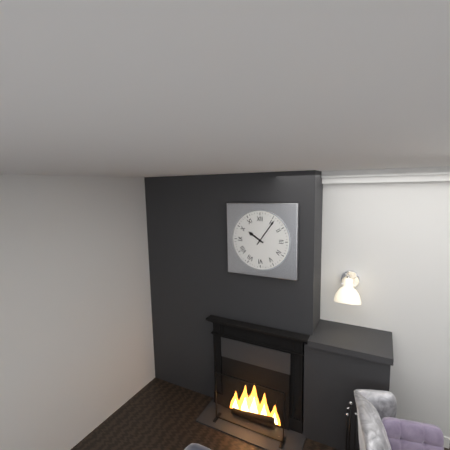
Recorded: 10.06
